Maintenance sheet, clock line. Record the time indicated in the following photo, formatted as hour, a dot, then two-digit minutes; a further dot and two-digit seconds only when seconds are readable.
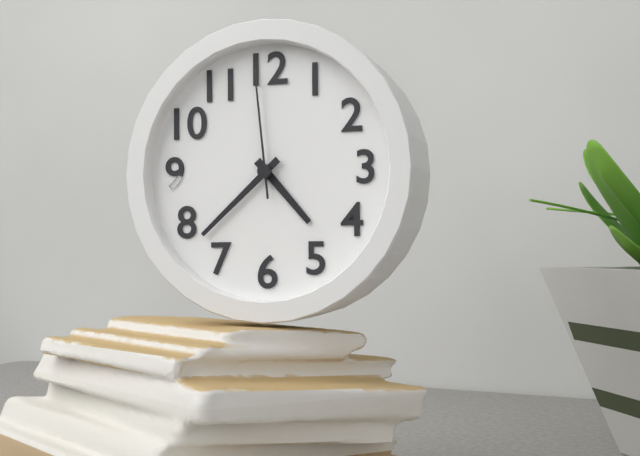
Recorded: 4.38.59
